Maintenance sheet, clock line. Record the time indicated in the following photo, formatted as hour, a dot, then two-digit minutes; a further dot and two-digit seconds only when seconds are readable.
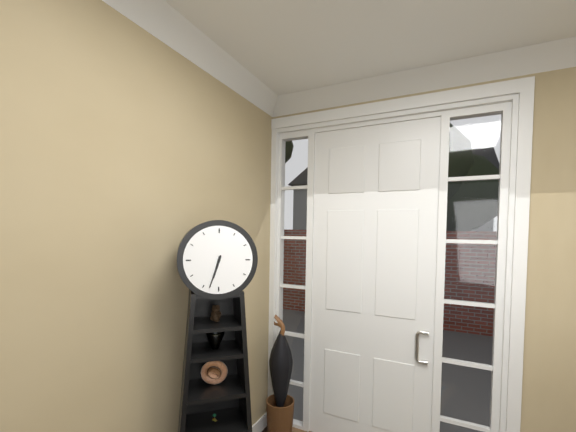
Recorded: 6.33
